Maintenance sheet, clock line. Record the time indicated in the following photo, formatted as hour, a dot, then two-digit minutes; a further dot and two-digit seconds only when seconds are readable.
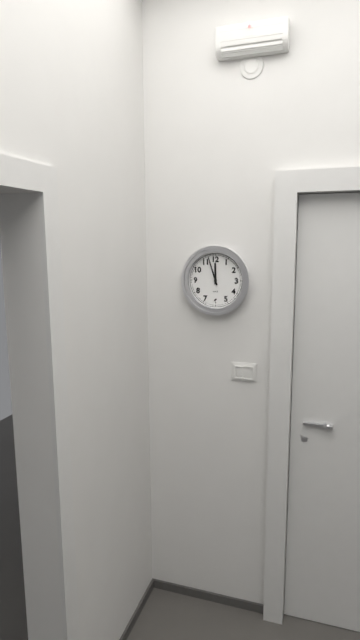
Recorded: 11.57
